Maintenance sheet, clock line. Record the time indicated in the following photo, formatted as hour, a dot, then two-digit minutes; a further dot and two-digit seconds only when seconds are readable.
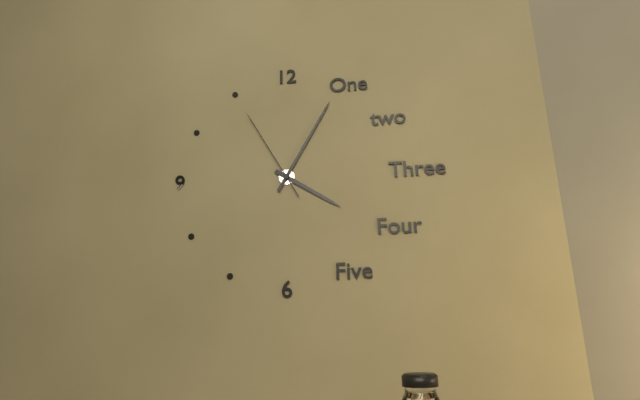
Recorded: 4.05.55
